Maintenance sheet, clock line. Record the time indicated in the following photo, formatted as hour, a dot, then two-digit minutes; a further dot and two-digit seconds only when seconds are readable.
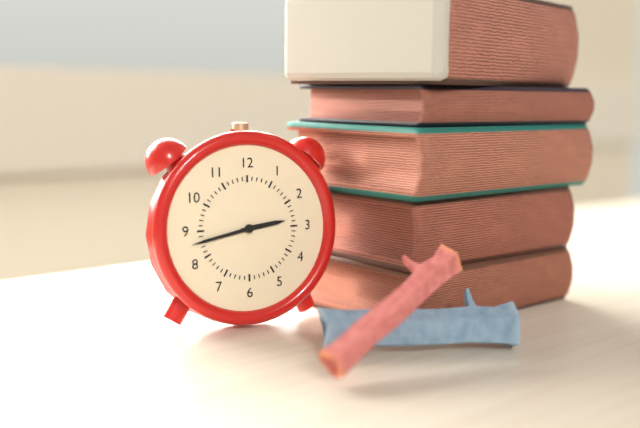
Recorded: 2.43
